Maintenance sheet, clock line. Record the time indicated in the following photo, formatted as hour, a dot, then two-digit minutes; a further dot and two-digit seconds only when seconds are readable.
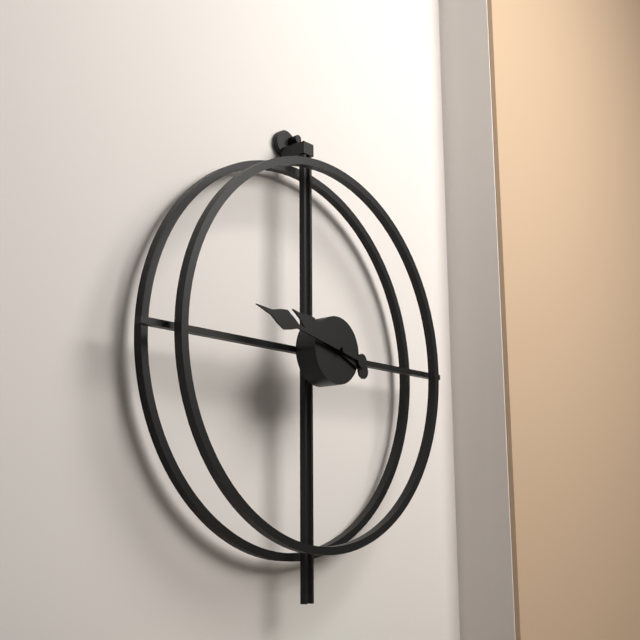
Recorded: 9.47
